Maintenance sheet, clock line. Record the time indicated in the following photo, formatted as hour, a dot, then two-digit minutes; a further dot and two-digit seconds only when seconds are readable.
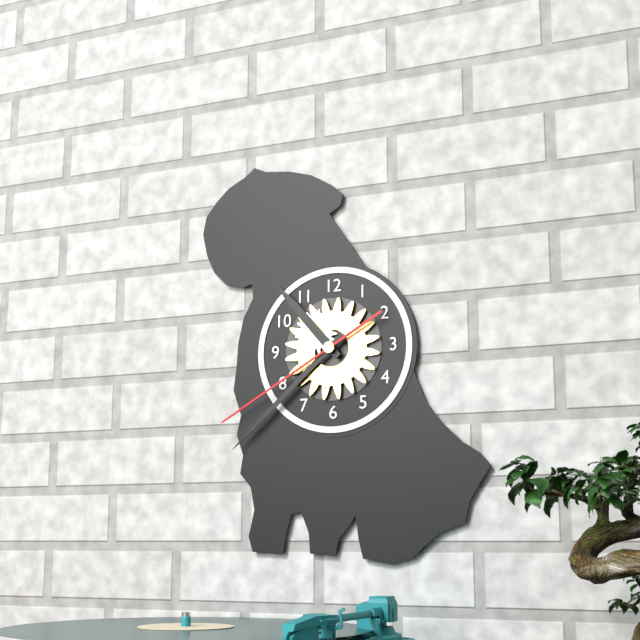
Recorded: 10.38.40
